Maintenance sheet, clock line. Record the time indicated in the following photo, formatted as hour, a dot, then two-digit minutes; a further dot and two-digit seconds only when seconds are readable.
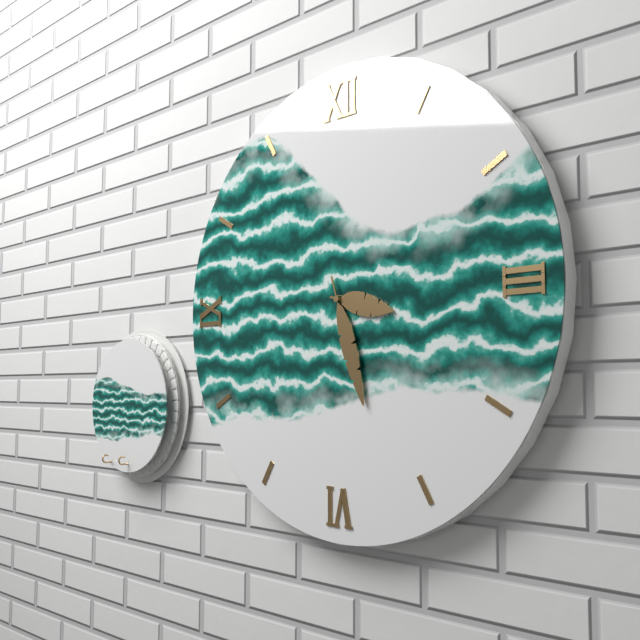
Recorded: 3.27
